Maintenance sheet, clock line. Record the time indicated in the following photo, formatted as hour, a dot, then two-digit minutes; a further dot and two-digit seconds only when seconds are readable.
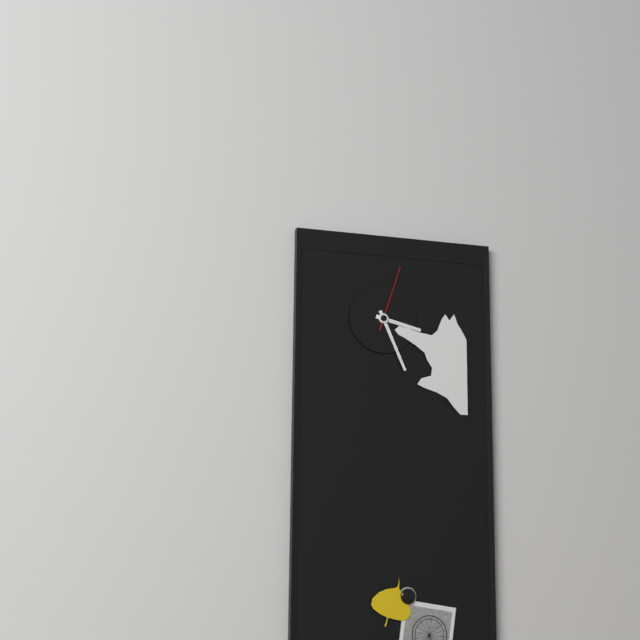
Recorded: 3.26.03
